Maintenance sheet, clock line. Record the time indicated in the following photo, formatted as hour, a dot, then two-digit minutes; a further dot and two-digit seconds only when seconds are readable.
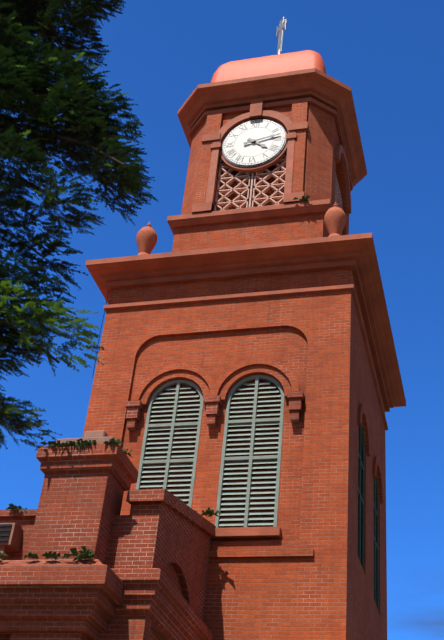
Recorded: 4.13
